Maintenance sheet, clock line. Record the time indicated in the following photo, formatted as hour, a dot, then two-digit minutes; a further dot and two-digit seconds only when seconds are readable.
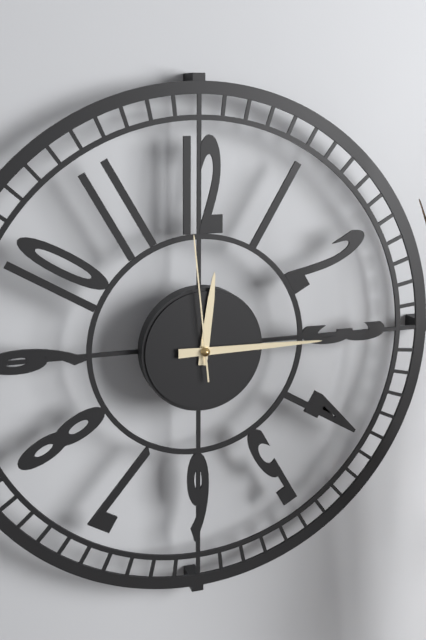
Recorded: 12.15.59
